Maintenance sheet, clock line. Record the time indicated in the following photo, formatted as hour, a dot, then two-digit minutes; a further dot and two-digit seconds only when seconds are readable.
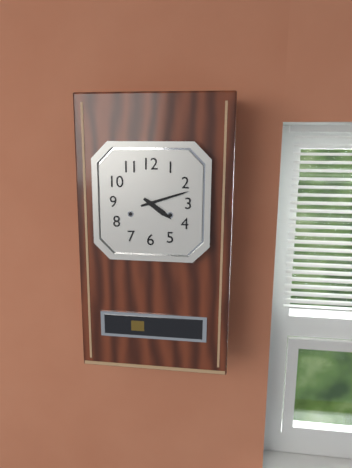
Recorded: 4.12
